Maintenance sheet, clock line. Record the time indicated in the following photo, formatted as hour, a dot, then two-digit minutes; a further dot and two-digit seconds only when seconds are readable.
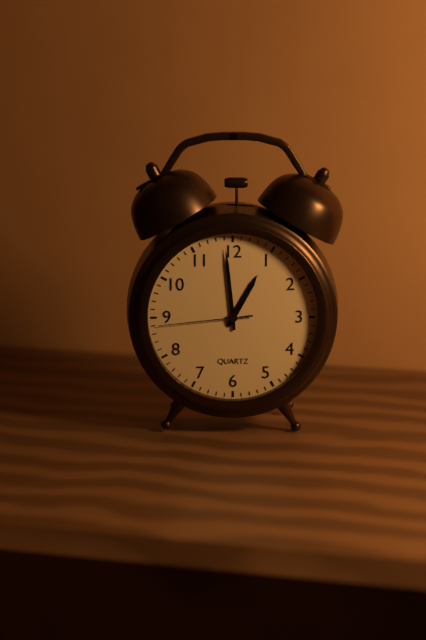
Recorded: 12.59.44
